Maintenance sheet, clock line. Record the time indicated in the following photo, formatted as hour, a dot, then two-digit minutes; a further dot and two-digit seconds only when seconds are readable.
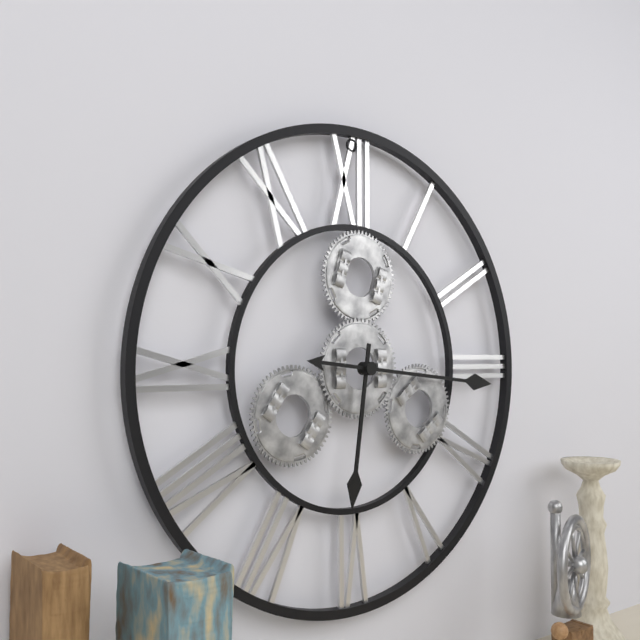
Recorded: 6.16
